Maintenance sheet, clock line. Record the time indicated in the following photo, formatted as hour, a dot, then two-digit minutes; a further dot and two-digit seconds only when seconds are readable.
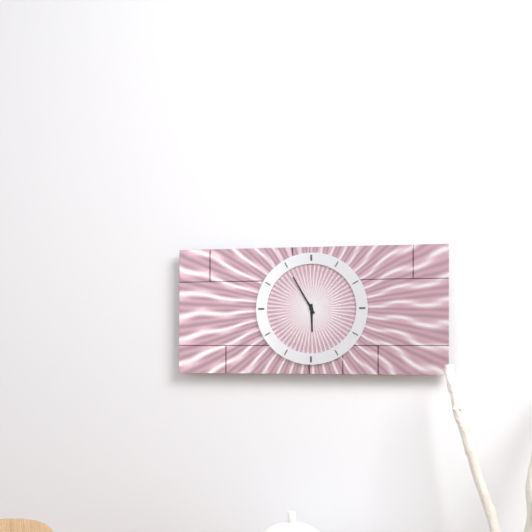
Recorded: 5.55
